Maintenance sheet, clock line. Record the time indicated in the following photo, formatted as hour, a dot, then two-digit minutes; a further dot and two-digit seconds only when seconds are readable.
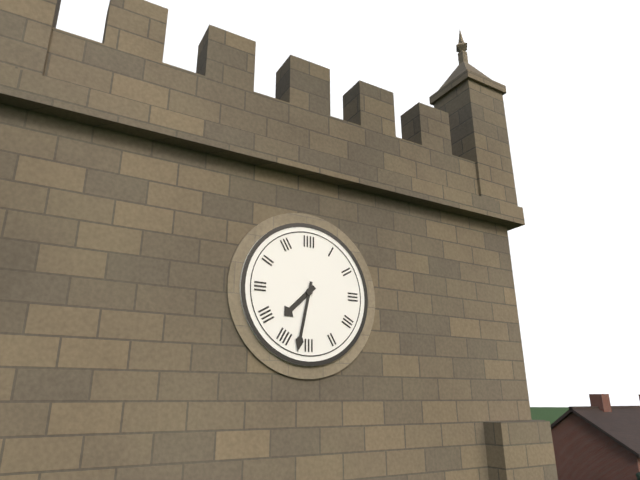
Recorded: 7.32
